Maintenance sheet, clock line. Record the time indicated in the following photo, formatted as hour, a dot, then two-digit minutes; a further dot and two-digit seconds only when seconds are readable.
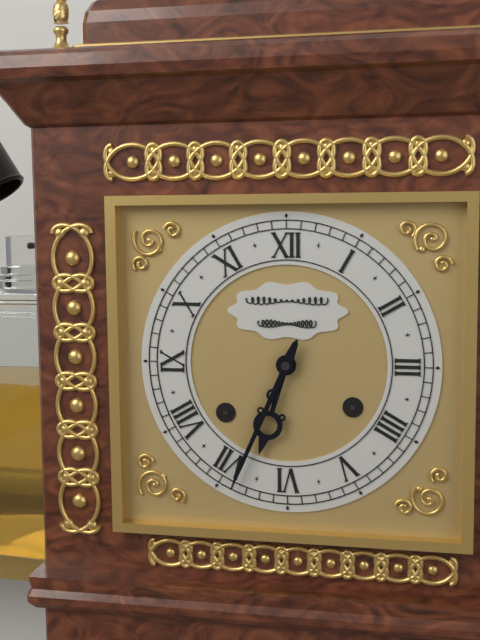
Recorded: 6.34
